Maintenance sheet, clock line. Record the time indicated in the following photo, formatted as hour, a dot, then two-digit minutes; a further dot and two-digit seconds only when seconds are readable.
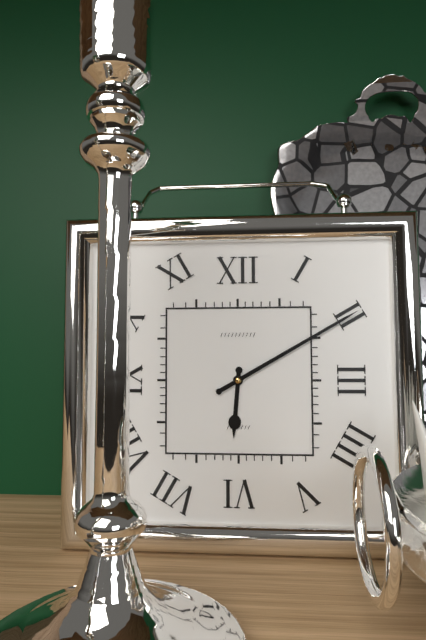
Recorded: 6.10
